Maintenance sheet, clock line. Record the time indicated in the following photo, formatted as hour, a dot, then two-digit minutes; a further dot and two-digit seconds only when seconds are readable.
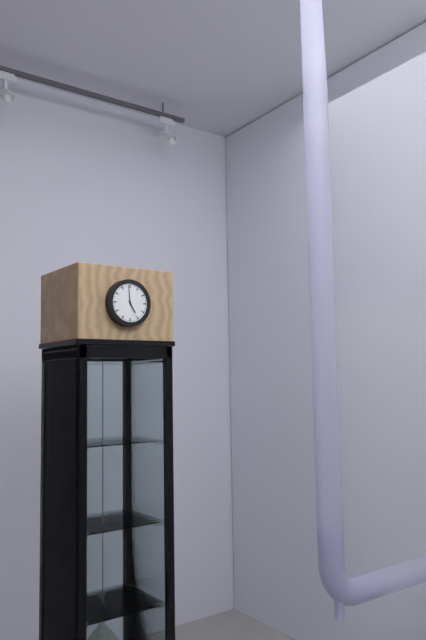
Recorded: 4.59
